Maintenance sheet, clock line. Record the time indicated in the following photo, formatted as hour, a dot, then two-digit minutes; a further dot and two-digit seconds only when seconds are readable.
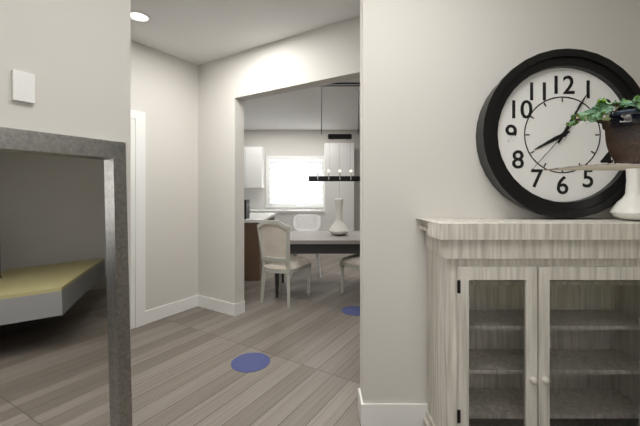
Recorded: 8.05.37
